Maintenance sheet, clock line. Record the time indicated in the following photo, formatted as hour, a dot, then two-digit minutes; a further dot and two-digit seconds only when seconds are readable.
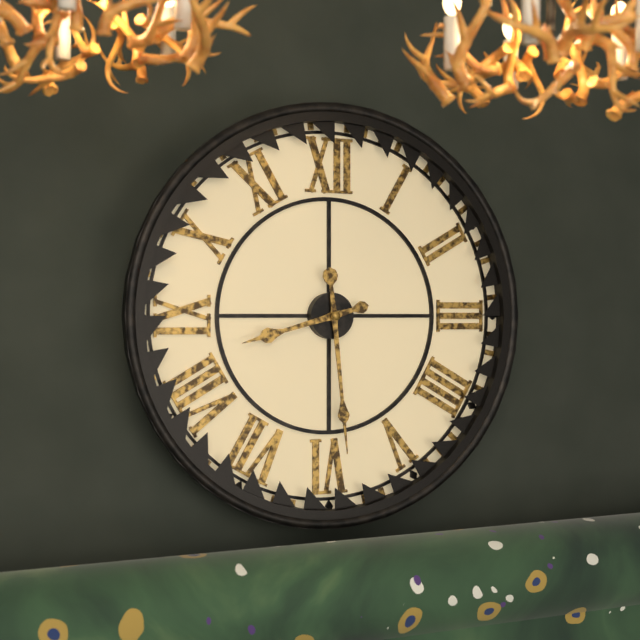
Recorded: 8.29
